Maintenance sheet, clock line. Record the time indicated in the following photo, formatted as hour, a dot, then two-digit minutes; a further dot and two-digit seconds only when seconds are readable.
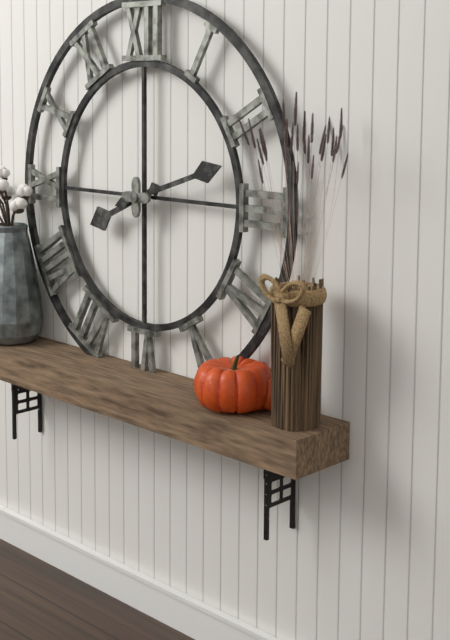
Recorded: 8.12
